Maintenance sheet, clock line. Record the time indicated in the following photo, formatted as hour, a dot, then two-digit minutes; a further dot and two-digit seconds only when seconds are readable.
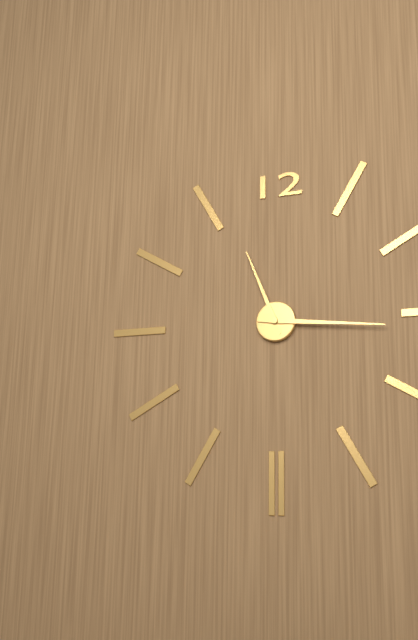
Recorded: 11.16
